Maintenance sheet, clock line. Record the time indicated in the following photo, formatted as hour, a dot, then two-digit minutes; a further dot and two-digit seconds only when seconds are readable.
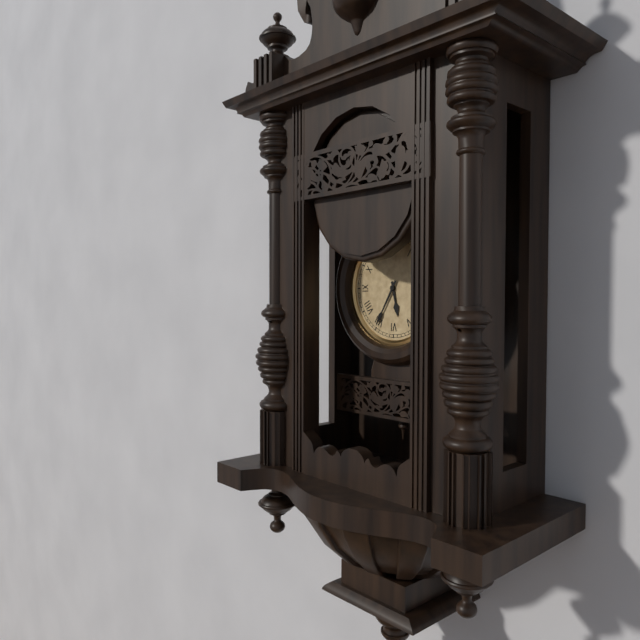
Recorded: 5.35
